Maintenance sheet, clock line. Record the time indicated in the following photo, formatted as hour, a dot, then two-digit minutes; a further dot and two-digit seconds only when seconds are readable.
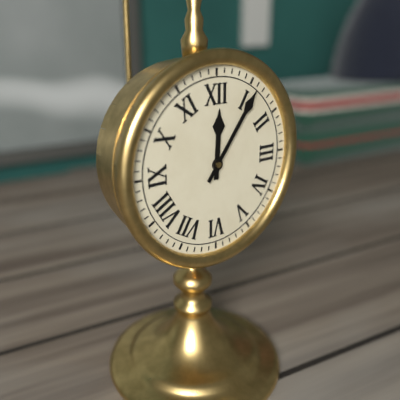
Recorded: 12.06
